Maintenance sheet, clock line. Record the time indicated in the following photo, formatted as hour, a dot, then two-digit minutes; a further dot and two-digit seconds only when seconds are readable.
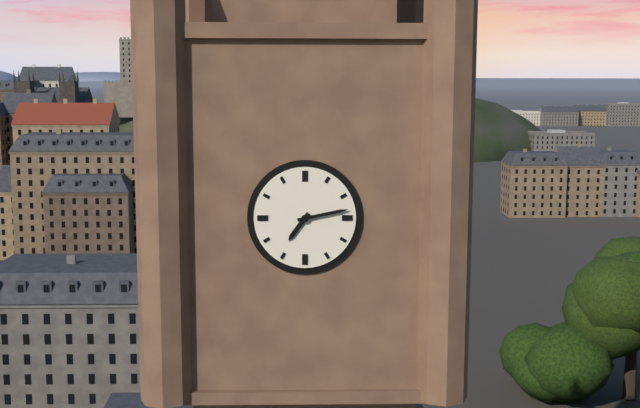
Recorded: 7.13
